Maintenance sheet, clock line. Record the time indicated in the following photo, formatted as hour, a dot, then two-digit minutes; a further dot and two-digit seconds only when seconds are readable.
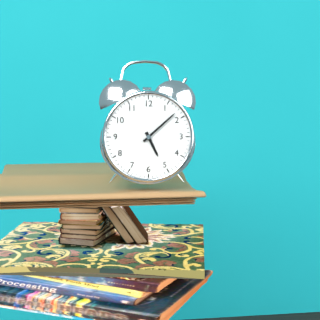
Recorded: 5.08
